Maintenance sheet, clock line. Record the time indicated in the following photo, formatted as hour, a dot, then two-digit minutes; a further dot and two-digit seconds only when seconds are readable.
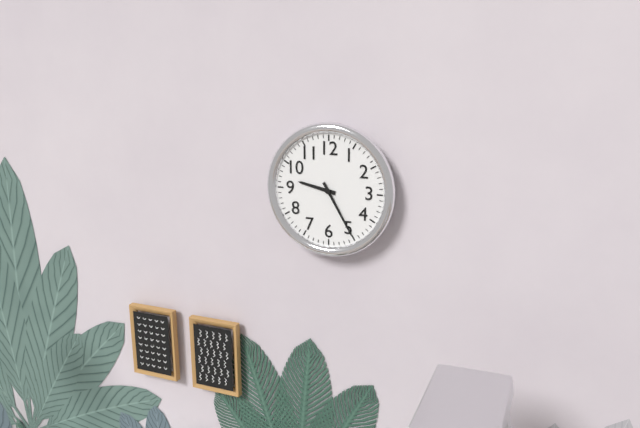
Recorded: 9.25
